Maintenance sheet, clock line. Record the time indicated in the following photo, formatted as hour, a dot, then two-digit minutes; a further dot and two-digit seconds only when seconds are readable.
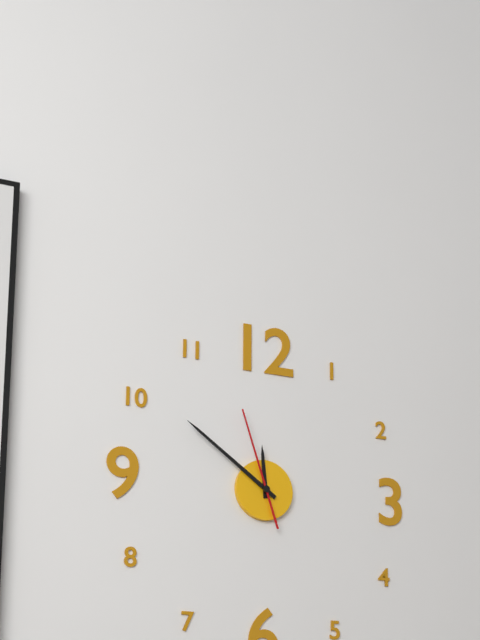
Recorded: 11.51.57
